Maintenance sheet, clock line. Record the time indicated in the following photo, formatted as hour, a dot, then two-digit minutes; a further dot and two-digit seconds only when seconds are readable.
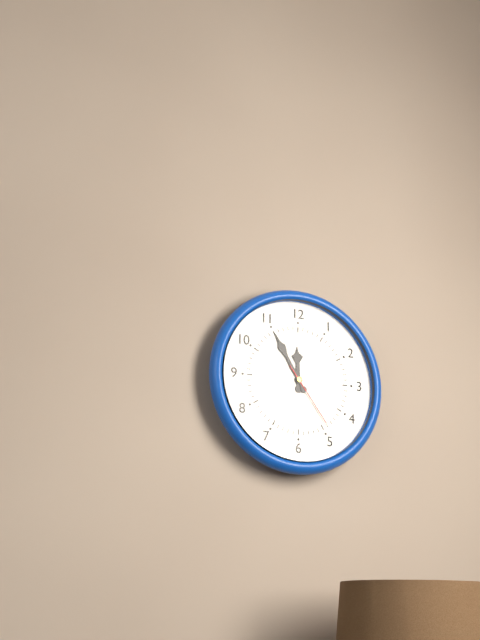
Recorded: 11.55.24
